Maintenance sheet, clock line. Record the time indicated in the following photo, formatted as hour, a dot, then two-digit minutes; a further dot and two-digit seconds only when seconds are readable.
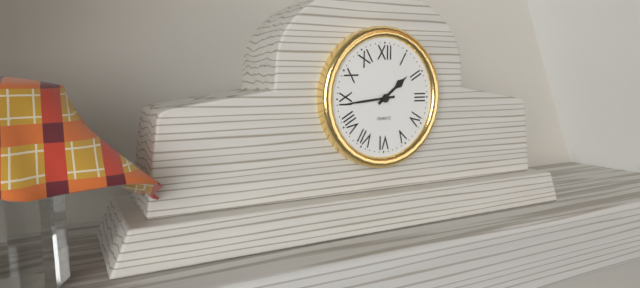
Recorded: 1.44
